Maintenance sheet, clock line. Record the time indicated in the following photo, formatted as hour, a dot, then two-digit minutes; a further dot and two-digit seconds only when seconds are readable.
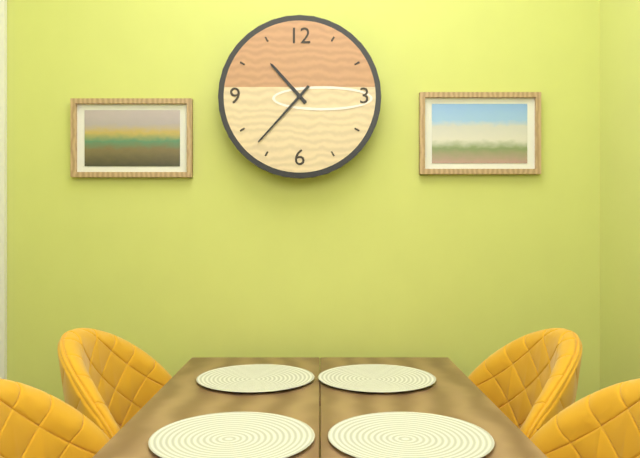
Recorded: 10.37
